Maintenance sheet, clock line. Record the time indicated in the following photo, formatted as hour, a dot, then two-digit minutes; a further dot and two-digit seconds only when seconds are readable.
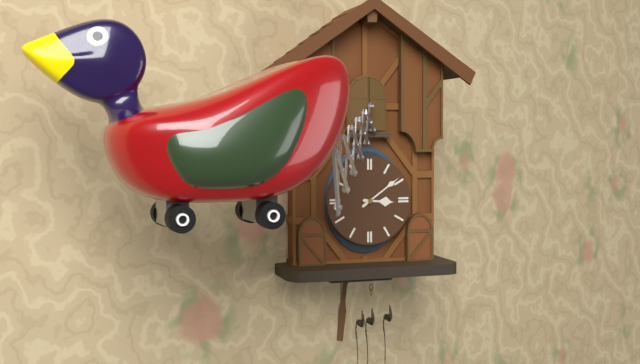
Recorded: 3.09
